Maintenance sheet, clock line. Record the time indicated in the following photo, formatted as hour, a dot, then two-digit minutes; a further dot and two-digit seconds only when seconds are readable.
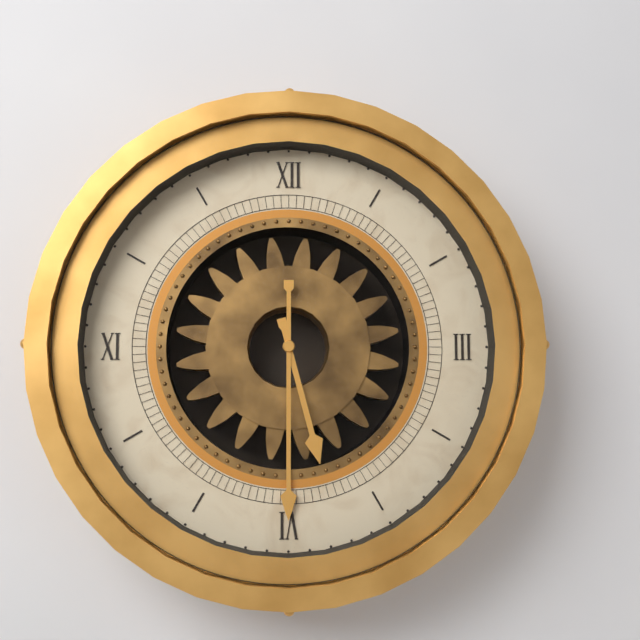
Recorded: 5.30
